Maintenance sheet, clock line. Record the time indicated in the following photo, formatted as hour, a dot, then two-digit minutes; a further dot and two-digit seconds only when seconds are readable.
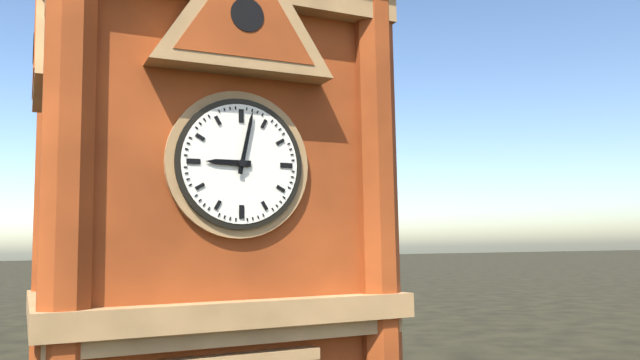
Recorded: 9.02
